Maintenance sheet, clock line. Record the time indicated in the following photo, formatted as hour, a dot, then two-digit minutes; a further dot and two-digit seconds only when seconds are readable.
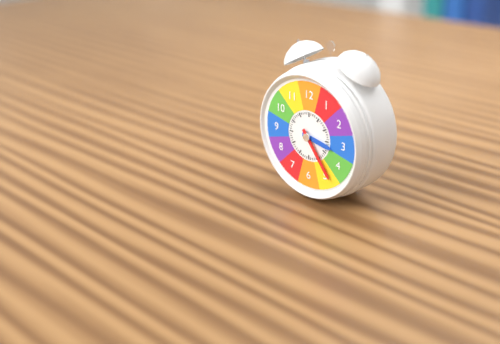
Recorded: 3.24
